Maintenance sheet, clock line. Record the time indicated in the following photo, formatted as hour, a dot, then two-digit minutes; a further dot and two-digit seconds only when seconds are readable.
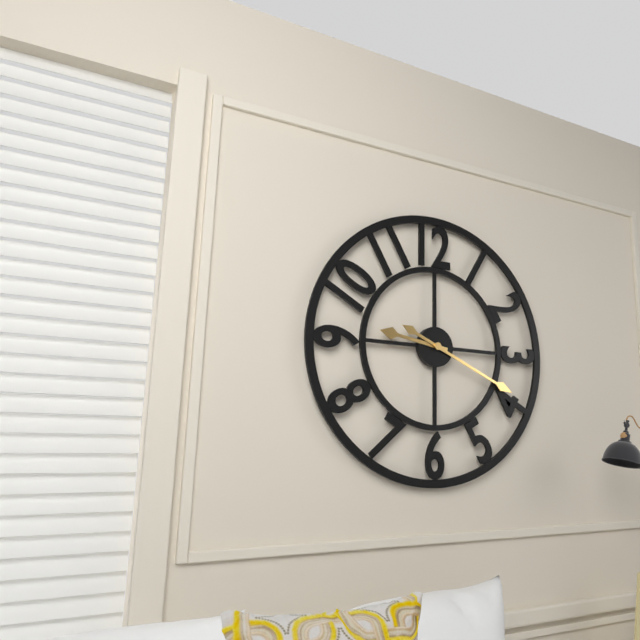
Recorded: 9.19
